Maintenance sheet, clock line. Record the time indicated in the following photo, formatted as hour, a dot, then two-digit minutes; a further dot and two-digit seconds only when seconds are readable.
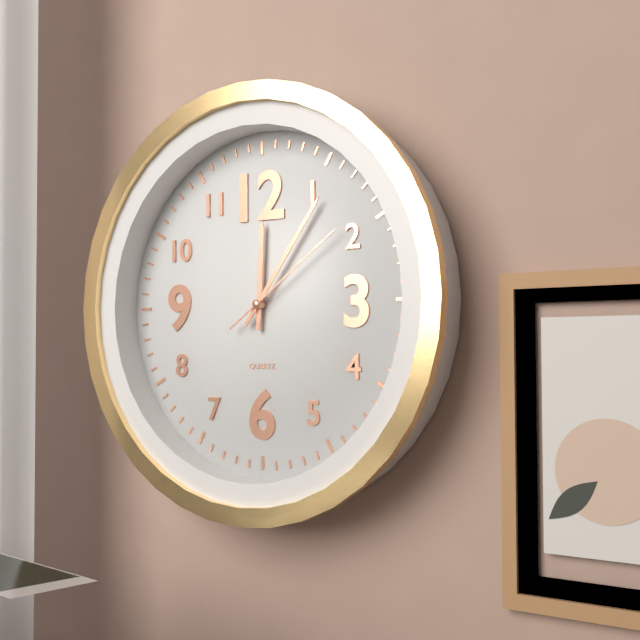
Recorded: 12.06.09
